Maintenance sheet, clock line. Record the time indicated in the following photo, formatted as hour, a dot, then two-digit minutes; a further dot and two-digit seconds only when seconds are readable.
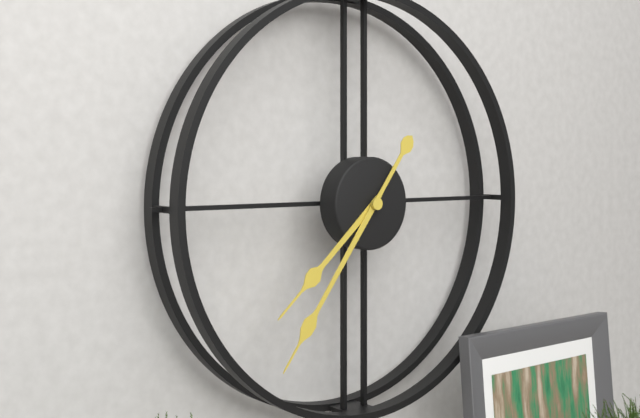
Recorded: 7.36
